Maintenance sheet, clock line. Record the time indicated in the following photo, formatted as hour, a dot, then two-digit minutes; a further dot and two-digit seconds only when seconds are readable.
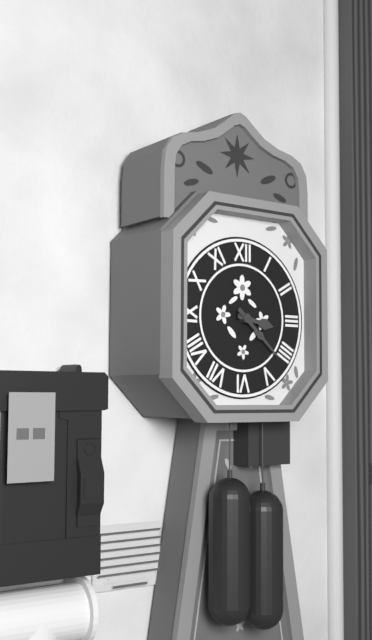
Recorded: 3.22
